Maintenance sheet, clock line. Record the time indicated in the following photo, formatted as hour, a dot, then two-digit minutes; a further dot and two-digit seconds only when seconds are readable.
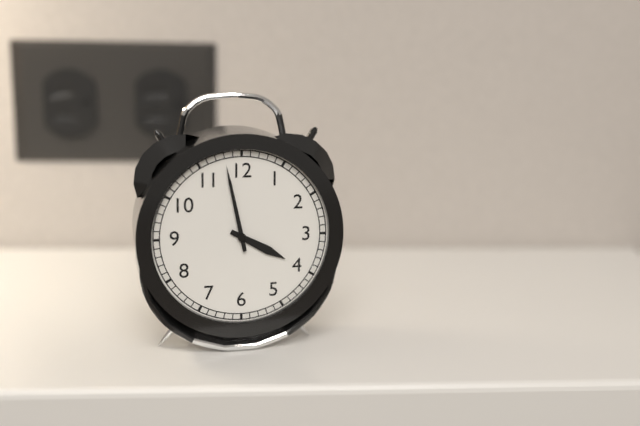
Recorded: 3.58
